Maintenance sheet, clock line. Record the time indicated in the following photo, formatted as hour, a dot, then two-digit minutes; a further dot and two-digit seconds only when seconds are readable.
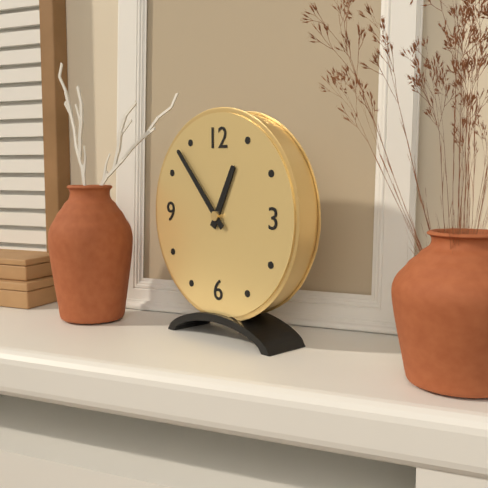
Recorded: 12.53
